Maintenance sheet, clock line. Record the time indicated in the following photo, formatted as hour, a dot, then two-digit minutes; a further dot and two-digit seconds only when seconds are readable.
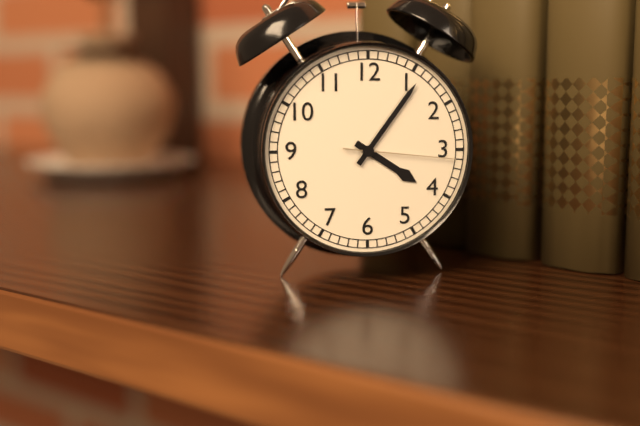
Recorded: 4.06.16
